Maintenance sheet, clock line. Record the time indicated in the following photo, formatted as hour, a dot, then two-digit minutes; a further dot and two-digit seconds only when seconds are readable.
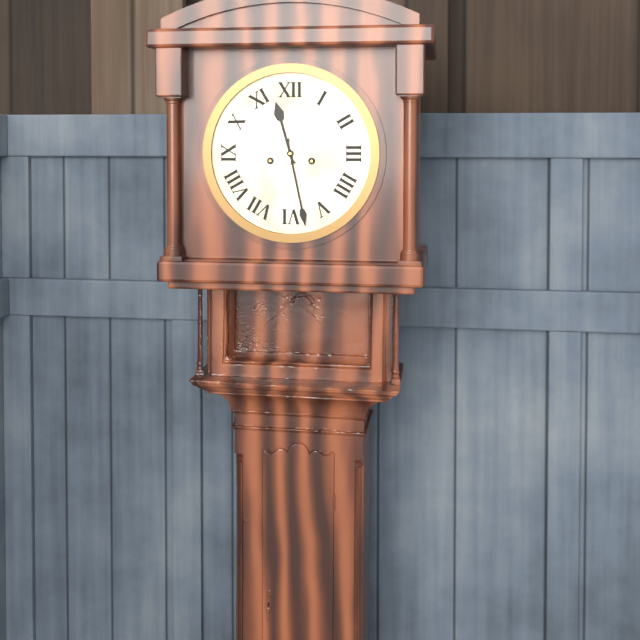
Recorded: 11.28
